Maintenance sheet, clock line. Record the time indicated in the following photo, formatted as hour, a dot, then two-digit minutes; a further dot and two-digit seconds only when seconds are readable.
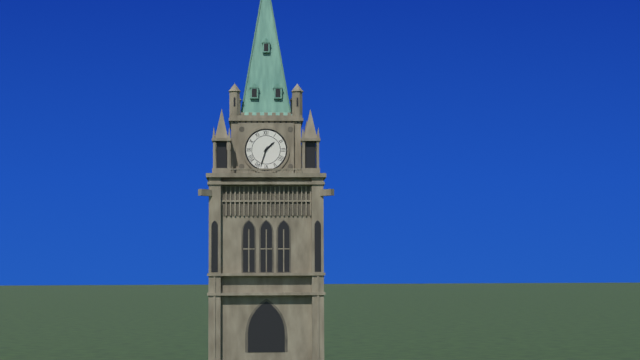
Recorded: 1.33
